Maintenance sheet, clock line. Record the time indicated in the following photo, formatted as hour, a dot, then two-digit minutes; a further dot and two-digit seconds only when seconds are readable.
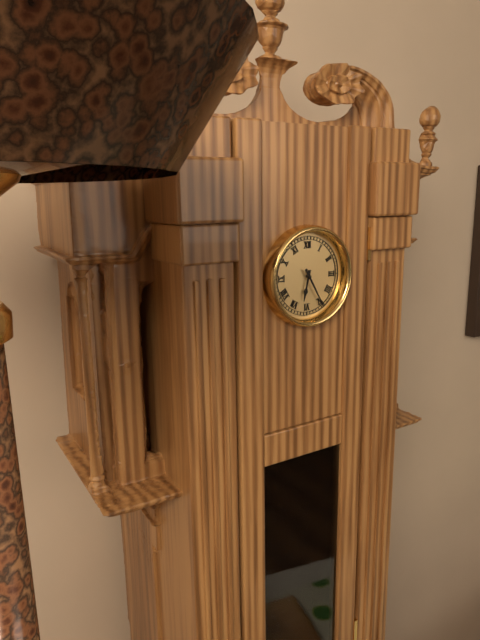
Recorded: 6.25
